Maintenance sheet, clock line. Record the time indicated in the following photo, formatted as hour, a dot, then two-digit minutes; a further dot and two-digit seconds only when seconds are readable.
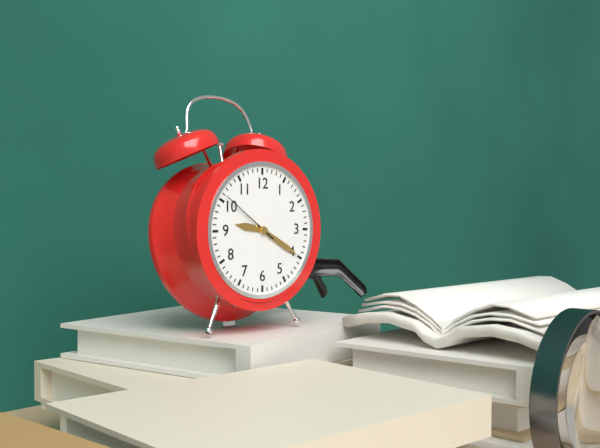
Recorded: 9.20.51
